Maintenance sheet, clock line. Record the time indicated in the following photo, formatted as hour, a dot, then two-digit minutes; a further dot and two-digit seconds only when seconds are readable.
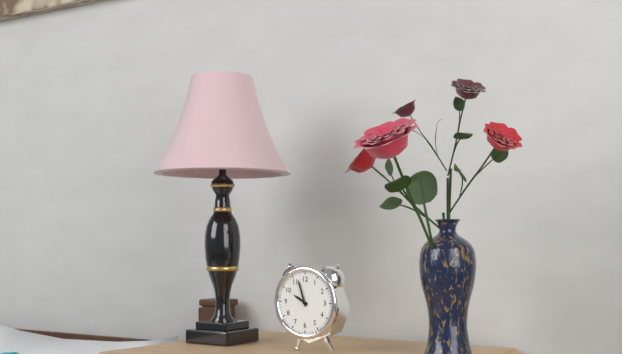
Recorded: 9.57
